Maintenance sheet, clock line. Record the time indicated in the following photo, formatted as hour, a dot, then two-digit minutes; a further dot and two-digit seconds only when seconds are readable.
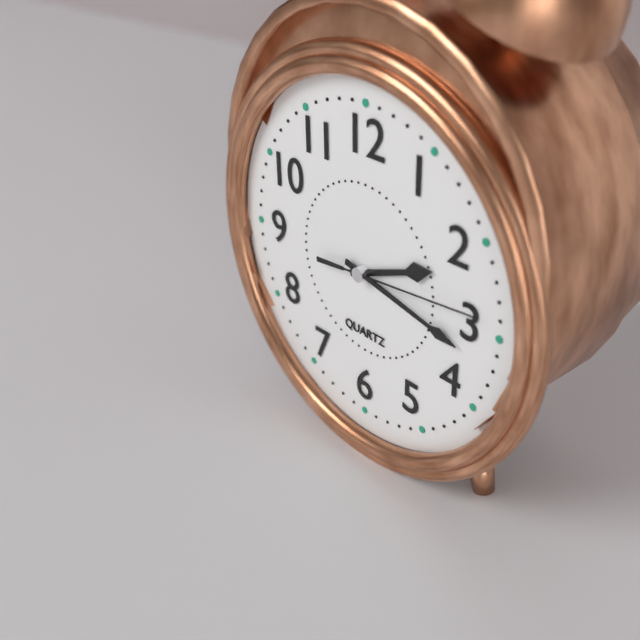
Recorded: 2.17.14
